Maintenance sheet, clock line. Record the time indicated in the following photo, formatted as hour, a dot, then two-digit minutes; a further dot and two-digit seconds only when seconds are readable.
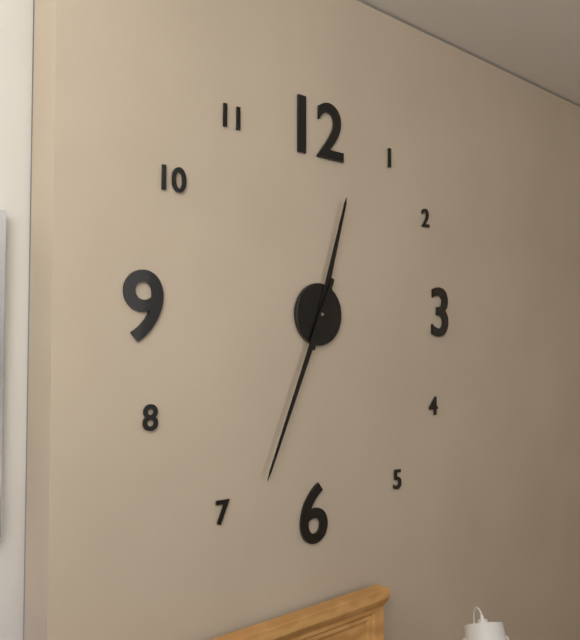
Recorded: 12.34
